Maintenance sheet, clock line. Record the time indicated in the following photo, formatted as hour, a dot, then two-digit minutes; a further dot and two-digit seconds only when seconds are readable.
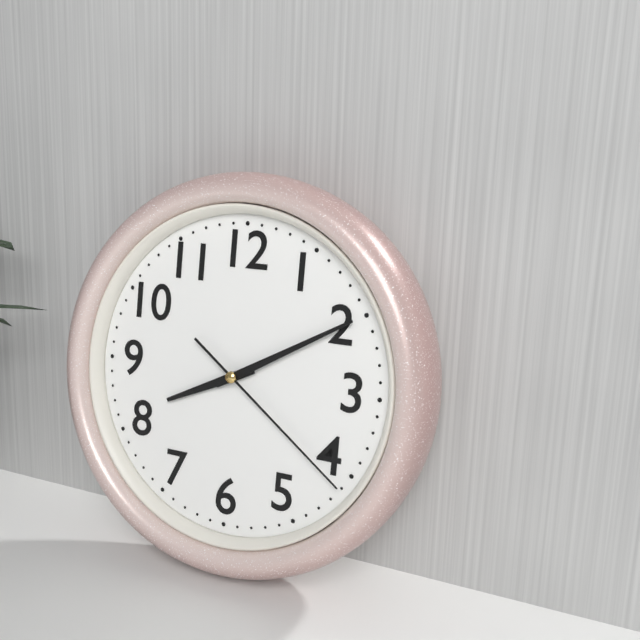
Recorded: 8.10.21
